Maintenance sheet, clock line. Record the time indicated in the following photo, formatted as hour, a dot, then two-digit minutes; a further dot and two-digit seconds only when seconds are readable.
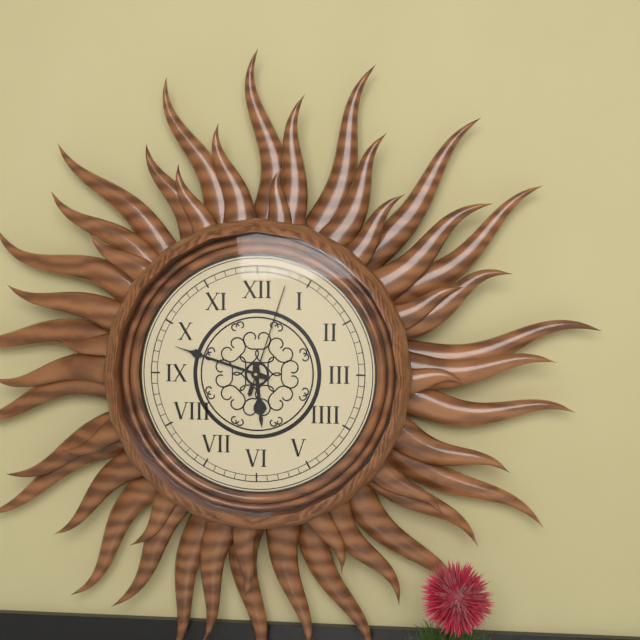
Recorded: 5.48.03
